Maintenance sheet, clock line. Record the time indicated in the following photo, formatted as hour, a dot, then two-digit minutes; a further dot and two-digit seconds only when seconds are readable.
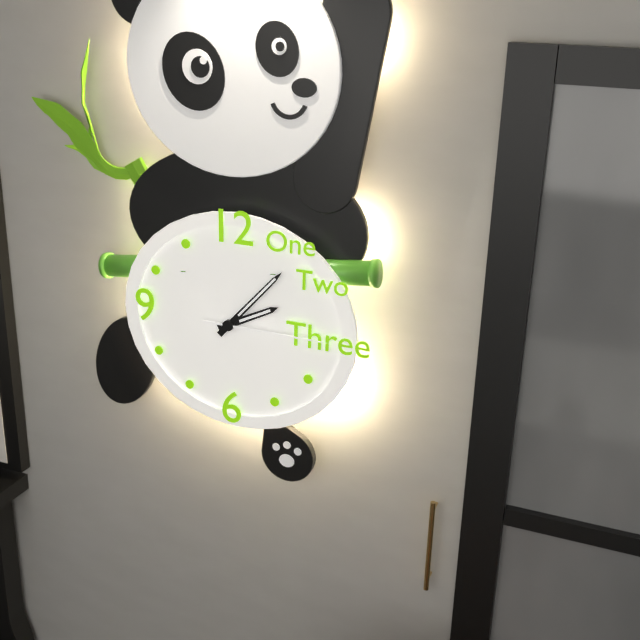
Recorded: 2.07.15
